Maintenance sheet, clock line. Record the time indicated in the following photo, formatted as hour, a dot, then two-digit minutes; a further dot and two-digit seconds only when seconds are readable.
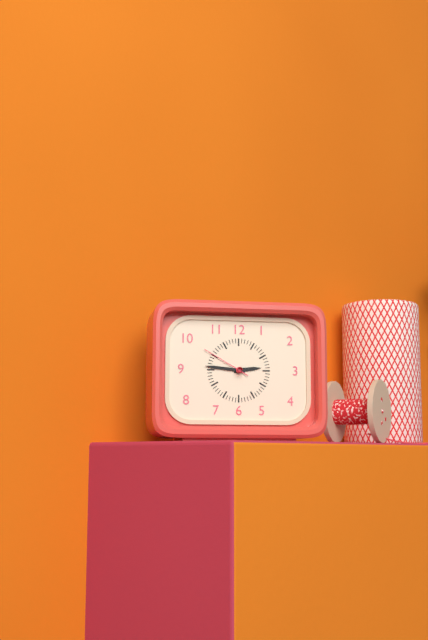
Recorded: 2.46.50
